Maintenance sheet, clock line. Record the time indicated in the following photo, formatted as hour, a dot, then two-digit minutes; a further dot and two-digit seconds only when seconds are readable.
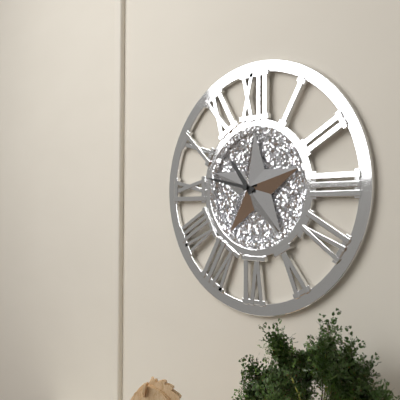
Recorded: 10.47
